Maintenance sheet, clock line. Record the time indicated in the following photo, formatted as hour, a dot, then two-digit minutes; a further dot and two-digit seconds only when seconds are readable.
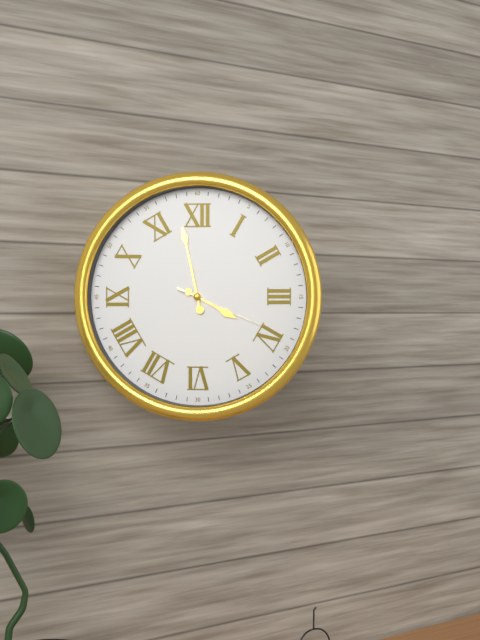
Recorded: 3.58.19
